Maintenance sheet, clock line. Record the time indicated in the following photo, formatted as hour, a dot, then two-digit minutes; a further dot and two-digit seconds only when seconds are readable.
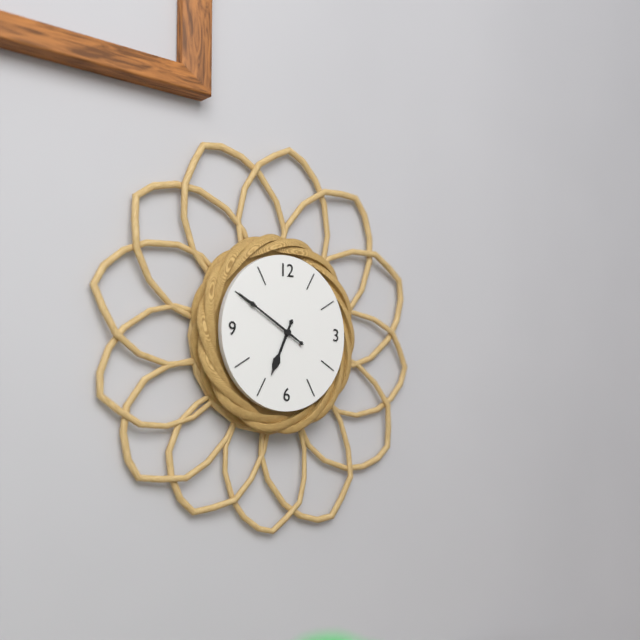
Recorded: 6.50
